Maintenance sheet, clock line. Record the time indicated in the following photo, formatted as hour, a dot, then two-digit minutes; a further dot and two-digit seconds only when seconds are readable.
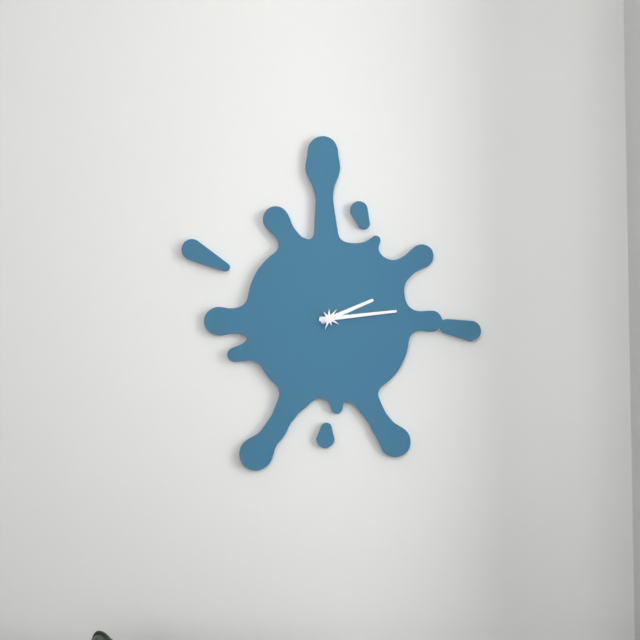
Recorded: 2.14
